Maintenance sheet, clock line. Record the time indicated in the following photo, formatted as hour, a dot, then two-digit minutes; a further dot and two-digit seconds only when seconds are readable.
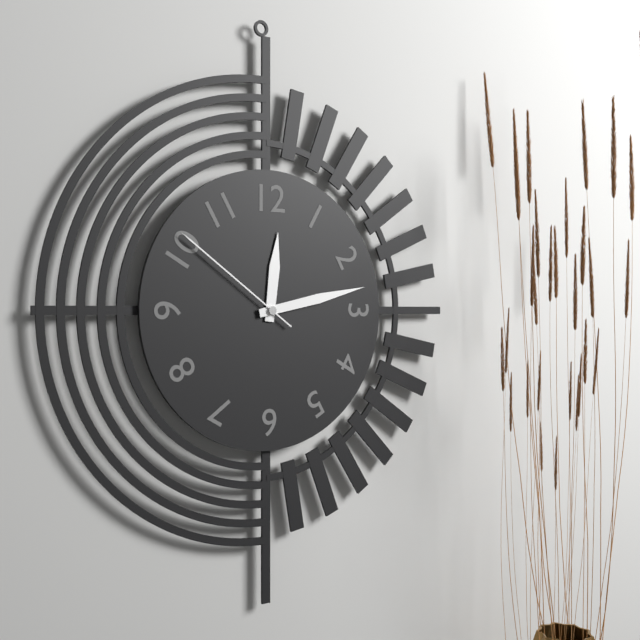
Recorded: 12.13.51
